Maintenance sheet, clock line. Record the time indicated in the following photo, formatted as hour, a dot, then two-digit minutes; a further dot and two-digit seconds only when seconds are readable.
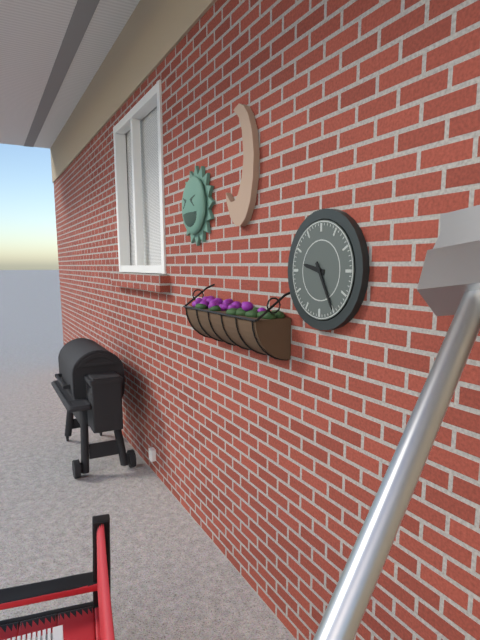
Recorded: 9.25
